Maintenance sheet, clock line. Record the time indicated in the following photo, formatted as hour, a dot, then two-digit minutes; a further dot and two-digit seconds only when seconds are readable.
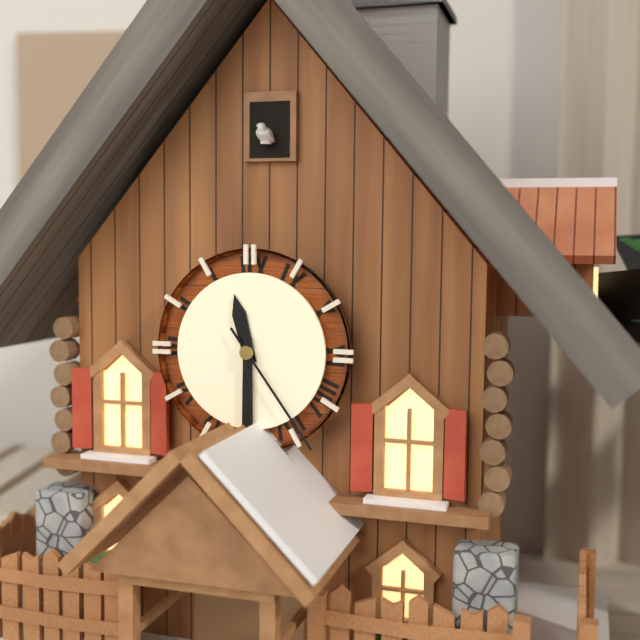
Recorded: 11.30.24
